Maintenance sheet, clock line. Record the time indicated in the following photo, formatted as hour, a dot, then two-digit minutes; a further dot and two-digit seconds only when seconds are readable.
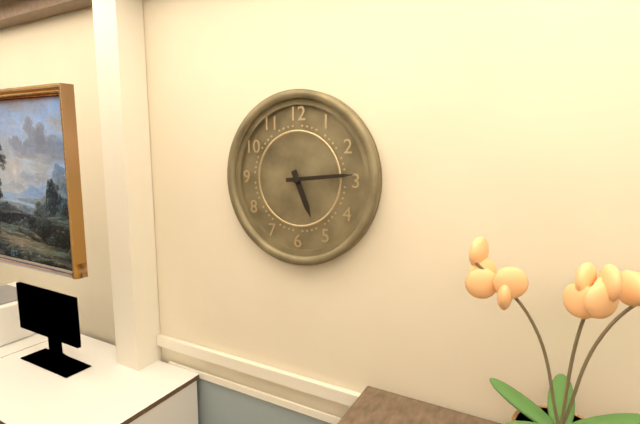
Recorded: 5.14
